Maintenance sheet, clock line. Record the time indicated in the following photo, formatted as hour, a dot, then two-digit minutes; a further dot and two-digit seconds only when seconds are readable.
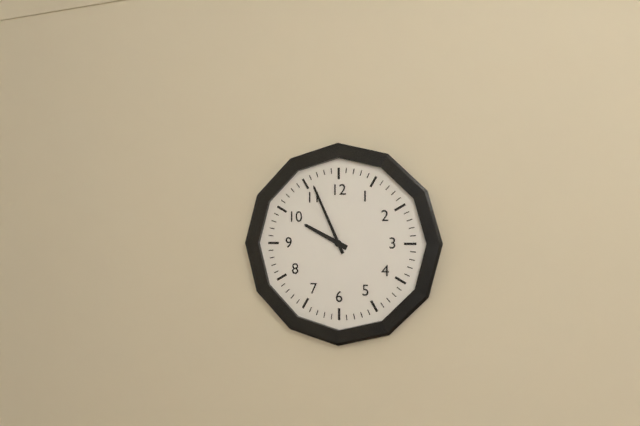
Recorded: 9.56
